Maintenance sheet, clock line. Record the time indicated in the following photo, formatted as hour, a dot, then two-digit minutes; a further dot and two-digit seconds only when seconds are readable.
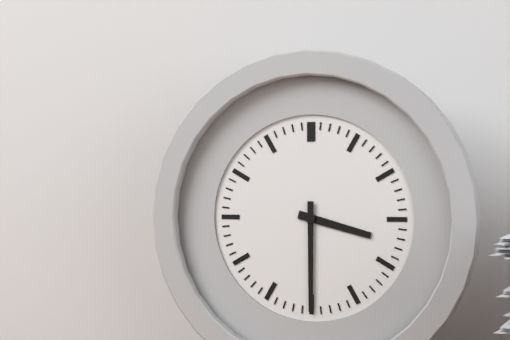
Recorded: 3.30
